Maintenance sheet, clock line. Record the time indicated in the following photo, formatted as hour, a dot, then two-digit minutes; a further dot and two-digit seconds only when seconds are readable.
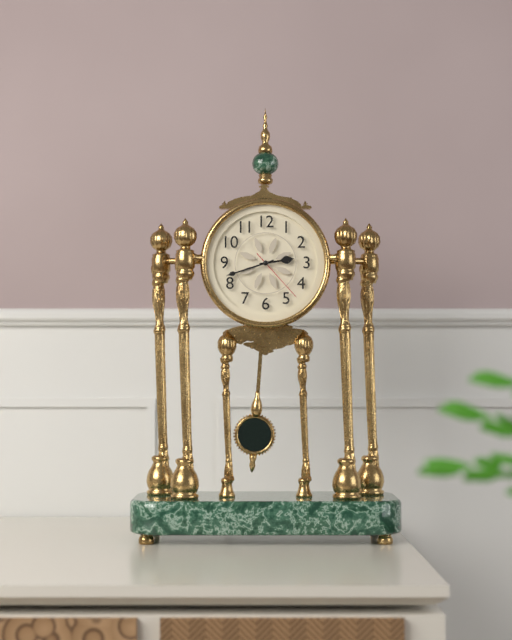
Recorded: 2.42.23
